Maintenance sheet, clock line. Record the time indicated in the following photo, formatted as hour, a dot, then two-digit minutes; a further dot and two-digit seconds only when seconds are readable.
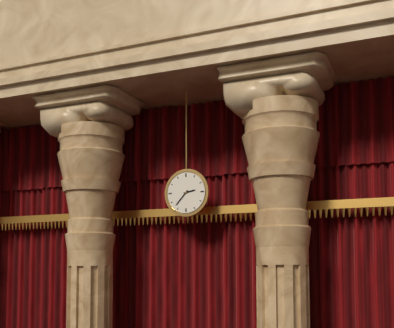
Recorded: 2.37
